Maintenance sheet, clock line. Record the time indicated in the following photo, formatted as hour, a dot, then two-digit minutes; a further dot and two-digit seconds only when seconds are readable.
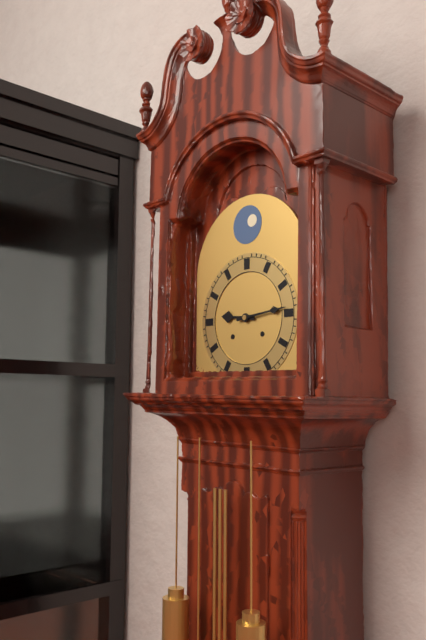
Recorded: 9.14
